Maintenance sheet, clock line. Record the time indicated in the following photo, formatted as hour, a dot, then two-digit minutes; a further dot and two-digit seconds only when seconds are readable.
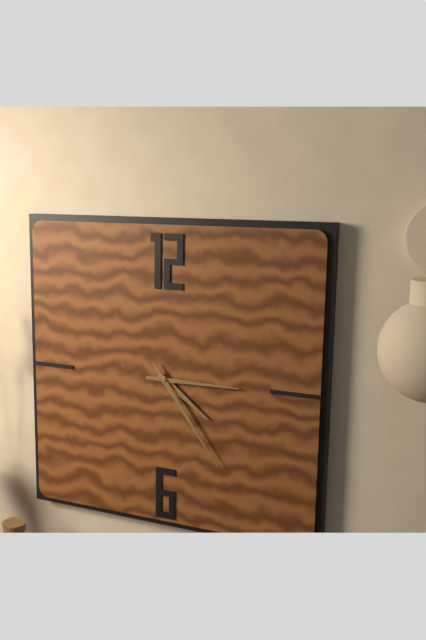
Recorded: 4.15.24
